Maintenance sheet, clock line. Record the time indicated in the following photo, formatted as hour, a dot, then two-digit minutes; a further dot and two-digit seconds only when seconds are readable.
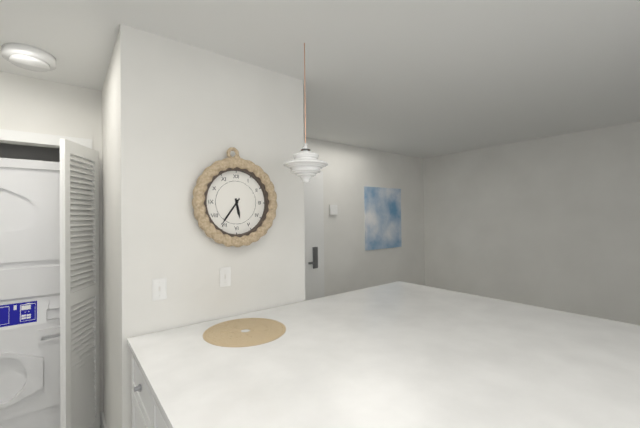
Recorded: 5.36
